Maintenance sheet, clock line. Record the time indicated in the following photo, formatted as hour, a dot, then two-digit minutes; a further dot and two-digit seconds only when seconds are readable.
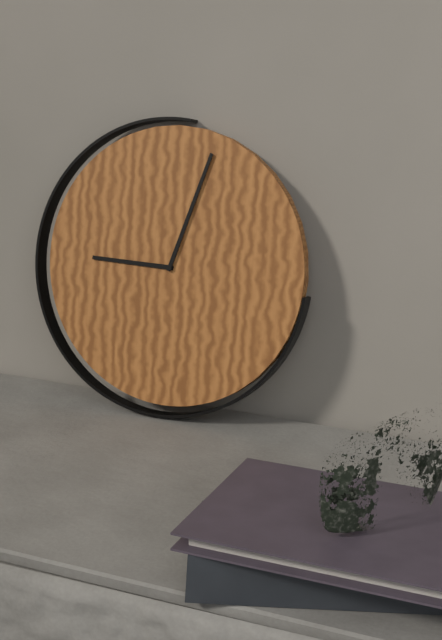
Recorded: 9.03
